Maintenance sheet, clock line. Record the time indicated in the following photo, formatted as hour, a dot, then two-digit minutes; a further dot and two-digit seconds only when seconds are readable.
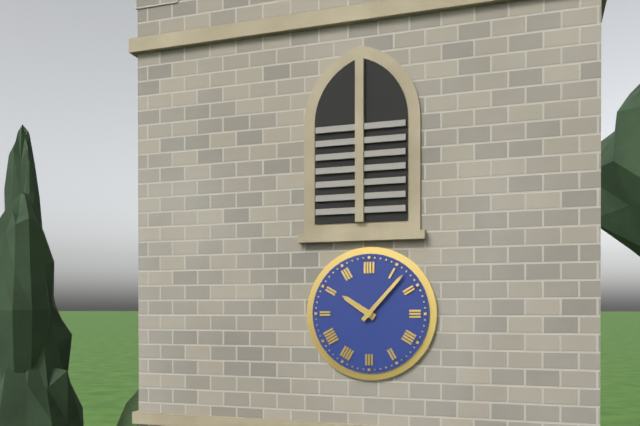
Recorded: 10.07
